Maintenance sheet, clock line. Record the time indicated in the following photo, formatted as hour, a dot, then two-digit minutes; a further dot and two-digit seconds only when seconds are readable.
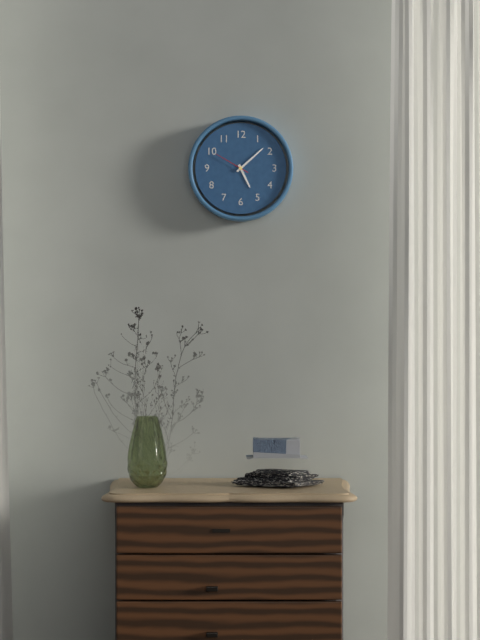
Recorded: 5.08
